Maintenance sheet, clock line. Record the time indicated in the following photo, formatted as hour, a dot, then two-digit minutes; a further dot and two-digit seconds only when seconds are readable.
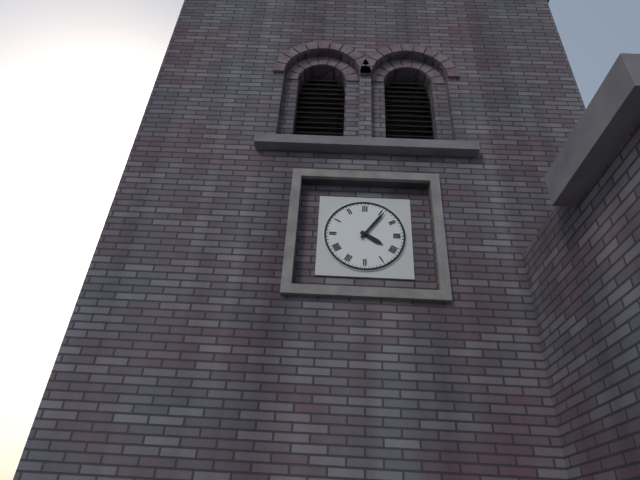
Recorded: 4.06
